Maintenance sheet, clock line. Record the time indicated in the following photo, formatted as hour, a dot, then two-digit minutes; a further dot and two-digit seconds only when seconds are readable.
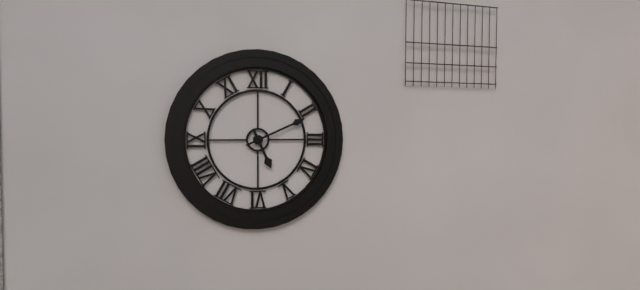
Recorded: 5.11
